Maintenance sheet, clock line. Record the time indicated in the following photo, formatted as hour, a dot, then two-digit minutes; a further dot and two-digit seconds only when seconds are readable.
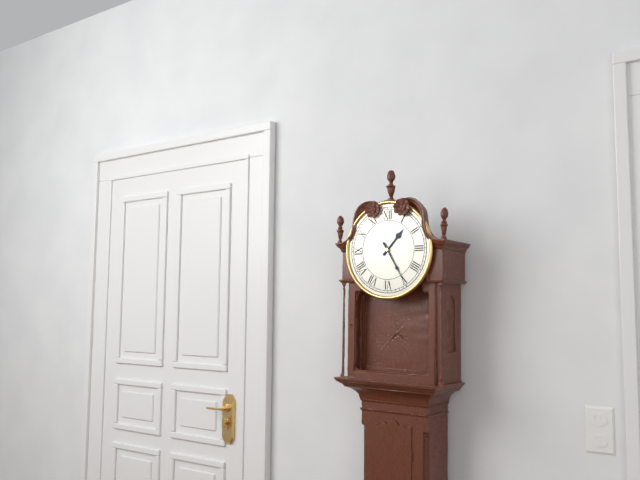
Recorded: 1.25
